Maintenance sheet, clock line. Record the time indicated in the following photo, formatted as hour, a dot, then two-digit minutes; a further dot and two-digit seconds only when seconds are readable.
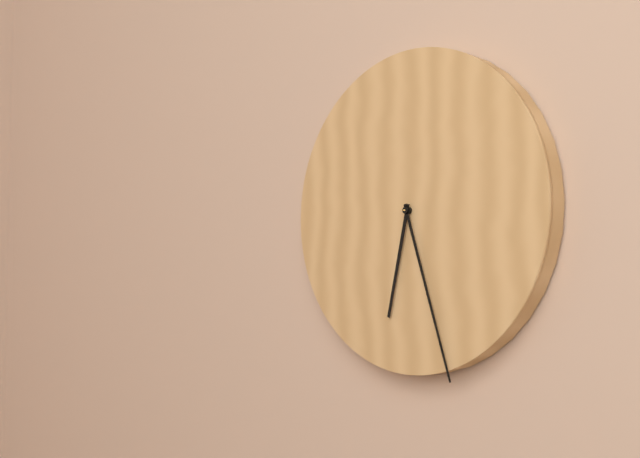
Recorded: 6.27
